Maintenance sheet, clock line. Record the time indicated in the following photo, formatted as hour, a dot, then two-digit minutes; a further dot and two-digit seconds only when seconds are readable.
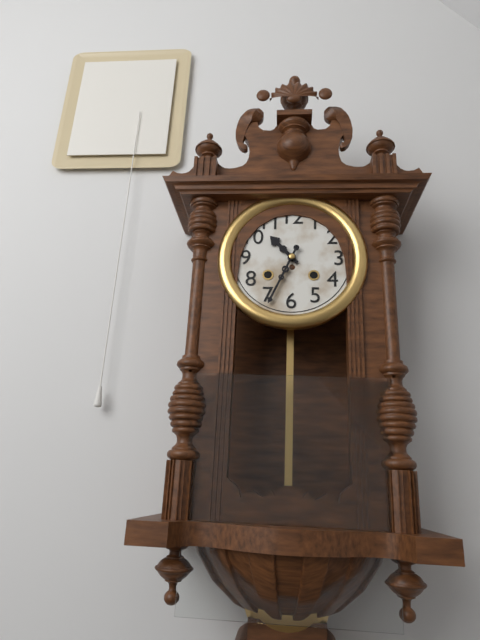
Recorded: 10.34
